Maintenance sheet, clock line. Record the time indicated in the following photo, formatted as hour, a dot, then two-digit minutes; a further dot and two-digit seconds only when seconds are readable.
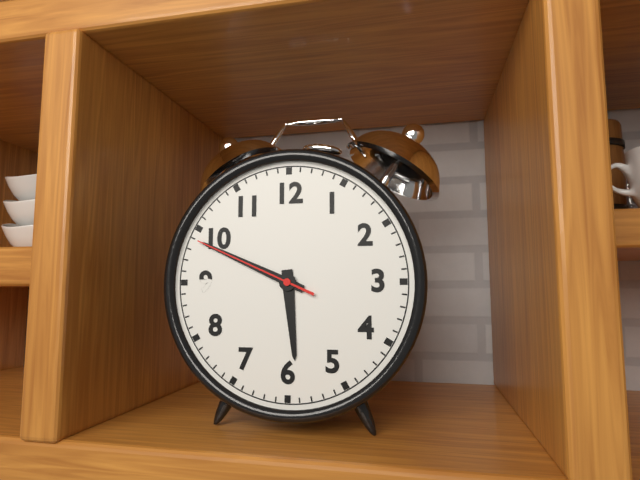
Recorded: 5.49.49
